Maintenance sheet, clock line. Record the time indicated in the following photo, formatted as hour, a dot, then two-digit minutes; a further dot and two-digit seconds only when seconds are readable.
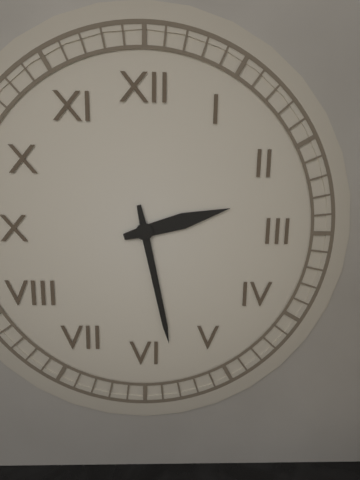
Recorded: 2.28
